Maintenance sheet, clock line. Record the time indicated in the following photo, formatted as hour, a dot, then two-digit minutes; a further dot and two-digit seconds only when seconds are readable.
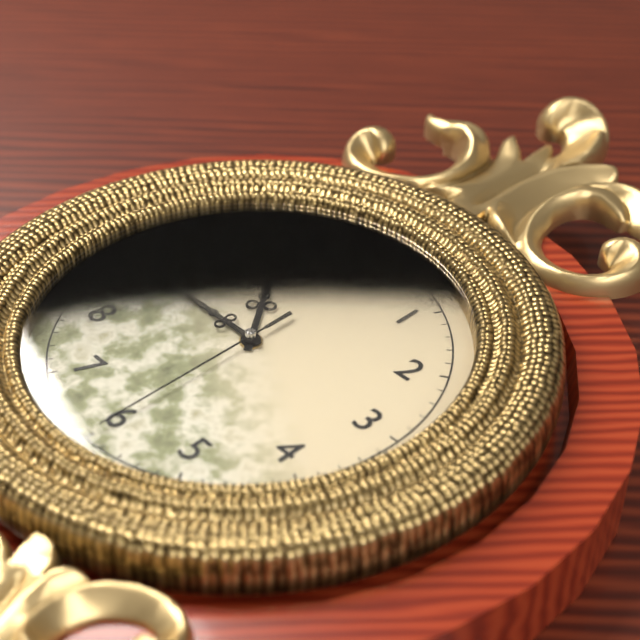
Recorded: 10.45.30
